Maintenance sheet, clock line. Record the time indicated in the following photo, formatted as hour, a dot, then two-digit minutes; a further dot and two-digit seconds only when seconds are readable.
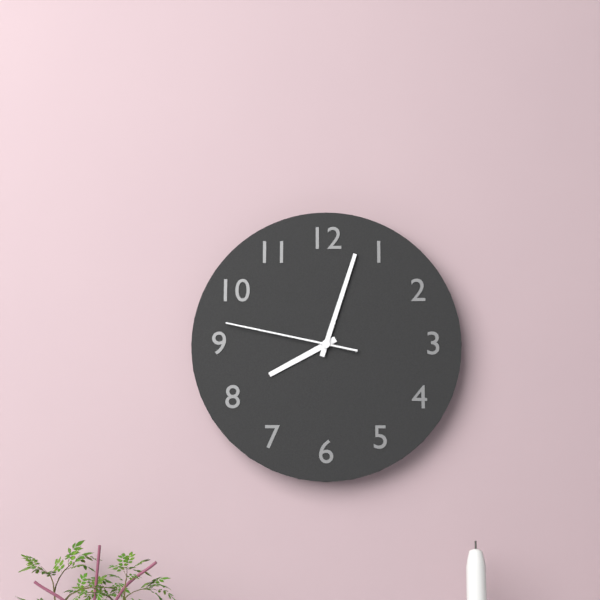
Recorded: 8.03.47
